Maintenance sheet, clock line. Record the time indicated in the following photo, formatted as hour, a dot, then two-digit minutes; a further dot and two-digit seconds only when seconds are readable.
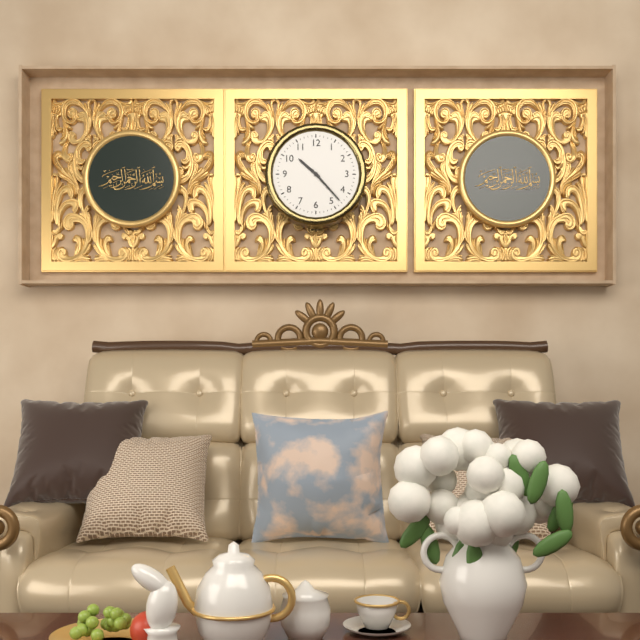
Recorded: 10.23
